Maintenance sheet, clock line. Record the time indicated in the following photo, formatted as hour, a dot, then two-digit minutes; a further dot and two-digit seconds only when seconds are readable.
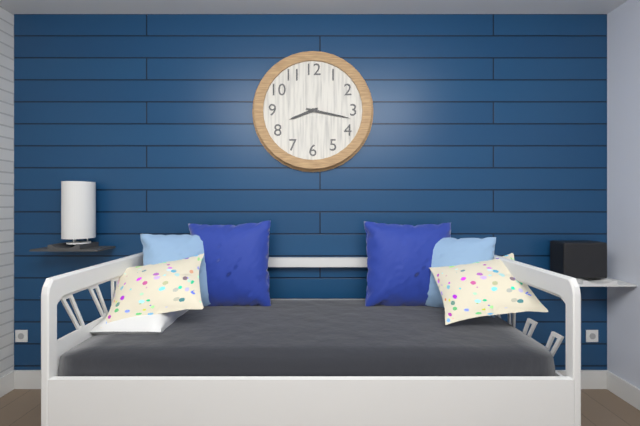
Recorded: 8.17
